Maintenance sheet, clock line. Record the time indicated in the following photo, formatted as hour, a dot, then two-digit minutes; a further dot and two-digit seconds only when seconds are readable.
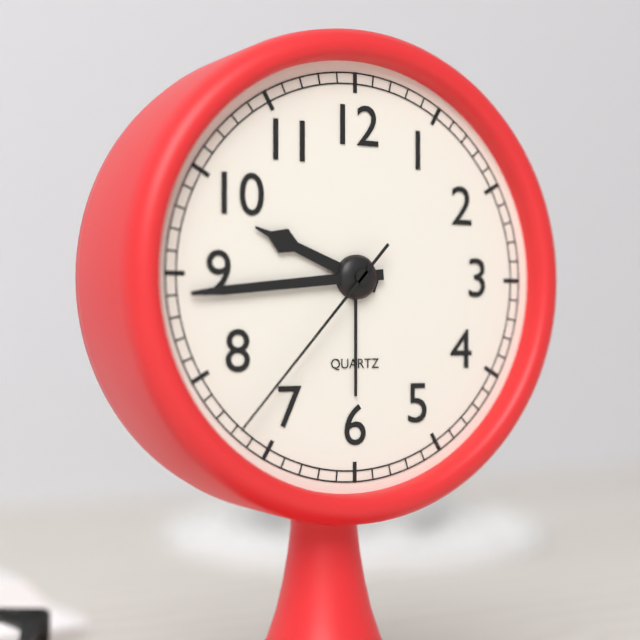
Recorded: 9.44.37
